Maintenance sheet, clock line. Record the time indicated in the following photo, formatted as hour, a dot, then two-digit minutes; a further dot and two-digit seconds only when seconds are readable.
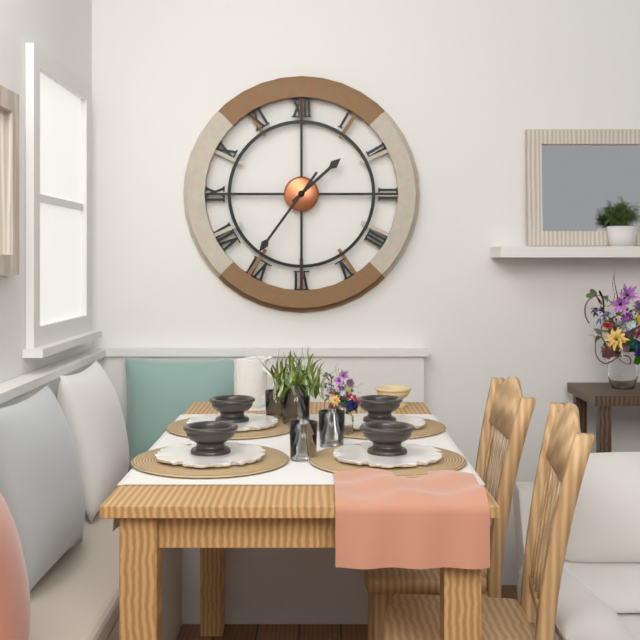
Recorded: 1.36
